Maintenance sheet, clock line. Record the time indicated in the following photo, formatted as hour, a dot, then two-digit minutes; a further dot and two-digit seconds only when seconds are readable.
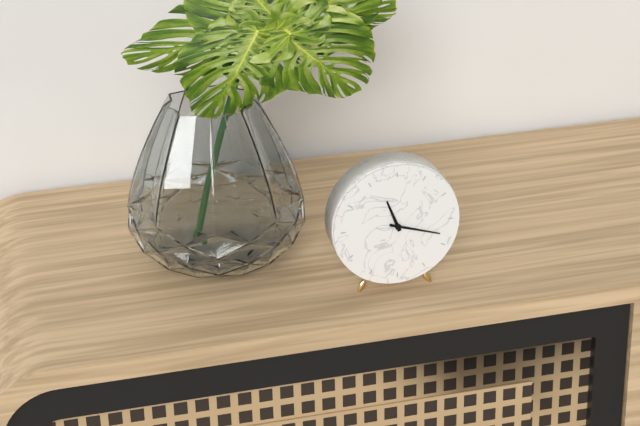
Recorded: 11.18
